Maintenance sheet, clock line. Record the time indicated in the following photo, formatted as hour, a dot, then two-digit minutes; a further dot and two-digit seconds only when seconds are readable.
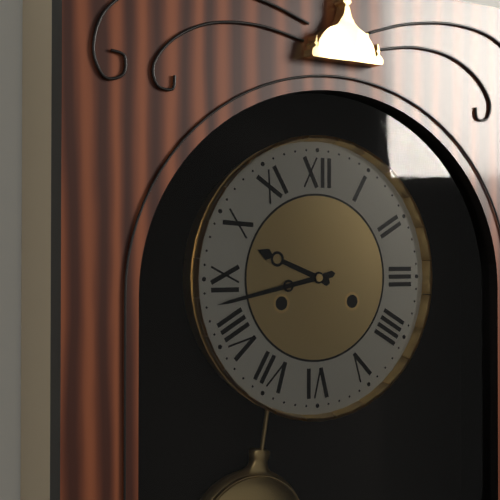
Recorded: 9.43
